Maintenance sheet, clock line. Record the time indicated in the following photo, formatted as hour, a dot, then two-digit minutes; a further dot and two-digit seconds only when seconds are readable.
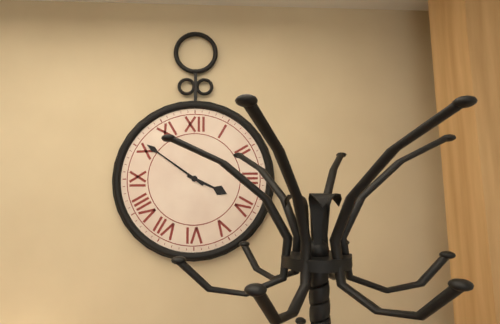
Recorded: 3.51
